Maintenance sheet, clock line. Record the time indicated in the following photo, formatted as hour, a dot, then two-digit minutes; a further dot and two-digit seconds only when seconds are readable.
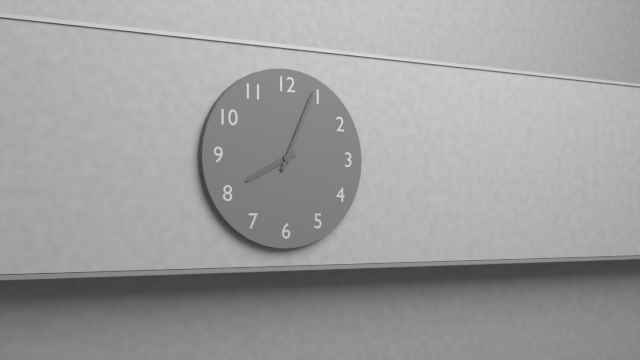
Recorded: 8.04
